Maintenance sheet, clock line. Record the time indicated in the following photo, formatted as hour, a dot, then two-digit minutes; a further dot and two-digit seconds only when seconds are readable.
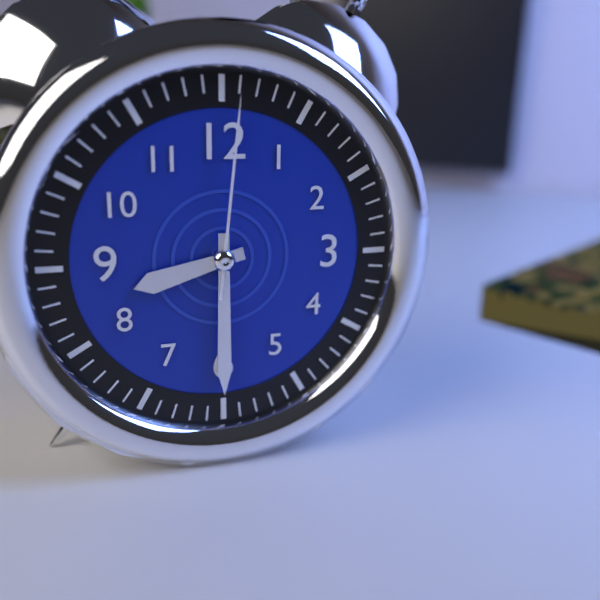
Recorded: 8.30.01
